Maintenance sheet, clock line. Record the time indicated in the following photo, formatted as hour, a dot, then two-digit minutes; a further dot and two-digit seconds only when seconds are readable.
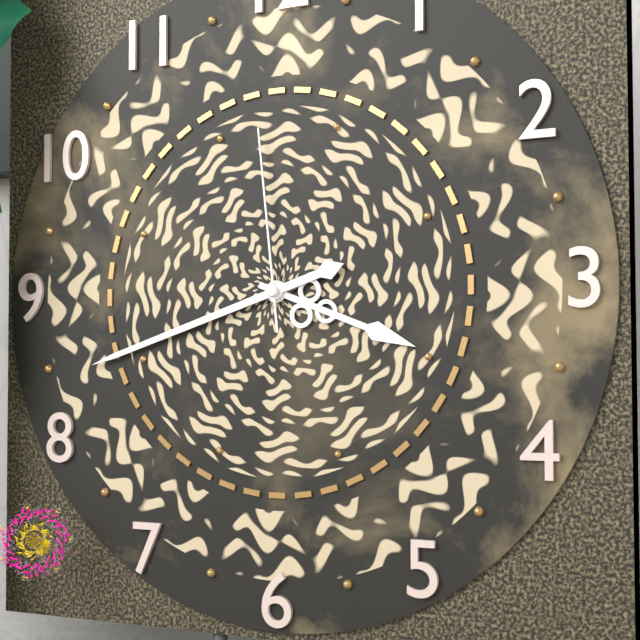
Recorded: 3.42.59
